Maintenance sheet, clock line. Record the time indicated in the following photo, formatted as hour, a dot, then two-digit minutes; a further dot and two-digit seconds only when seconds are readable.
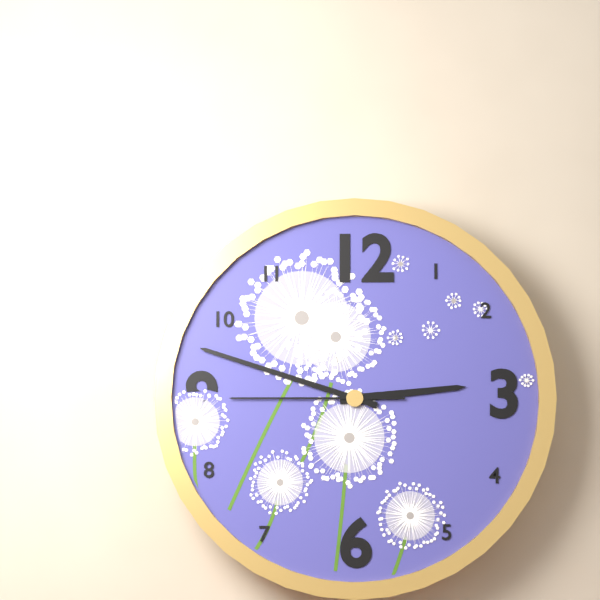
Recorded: 2.48.45
